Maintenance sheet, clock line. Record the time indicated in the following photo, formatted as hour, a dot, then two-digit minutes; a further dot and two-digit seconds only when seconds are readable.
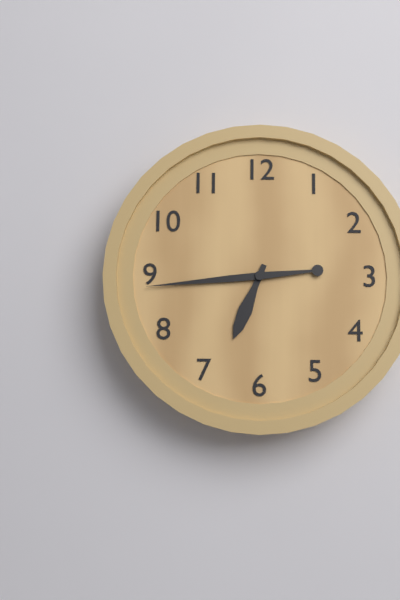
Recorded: 6.44
